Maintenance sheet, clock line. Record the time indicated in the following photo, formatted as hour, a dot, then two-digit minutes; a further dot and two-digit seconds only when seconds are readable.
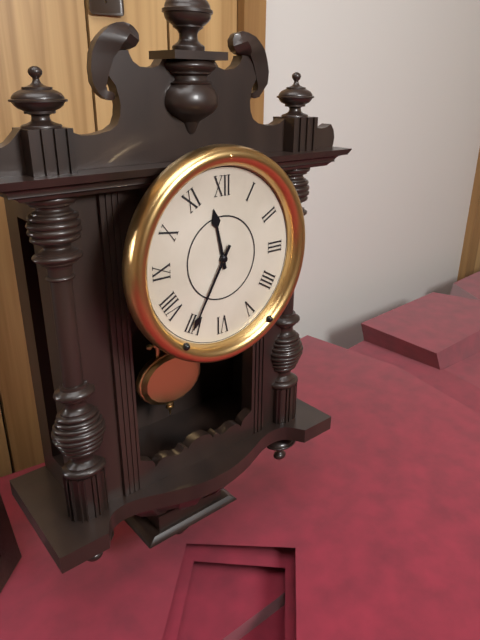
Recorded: 11.35
